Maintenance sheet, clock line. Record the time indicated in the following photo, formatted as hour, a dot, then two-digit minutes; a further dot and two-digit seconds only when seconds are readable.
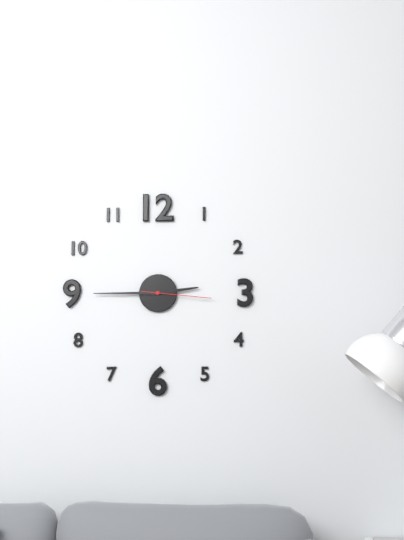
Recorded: 2.45.16
